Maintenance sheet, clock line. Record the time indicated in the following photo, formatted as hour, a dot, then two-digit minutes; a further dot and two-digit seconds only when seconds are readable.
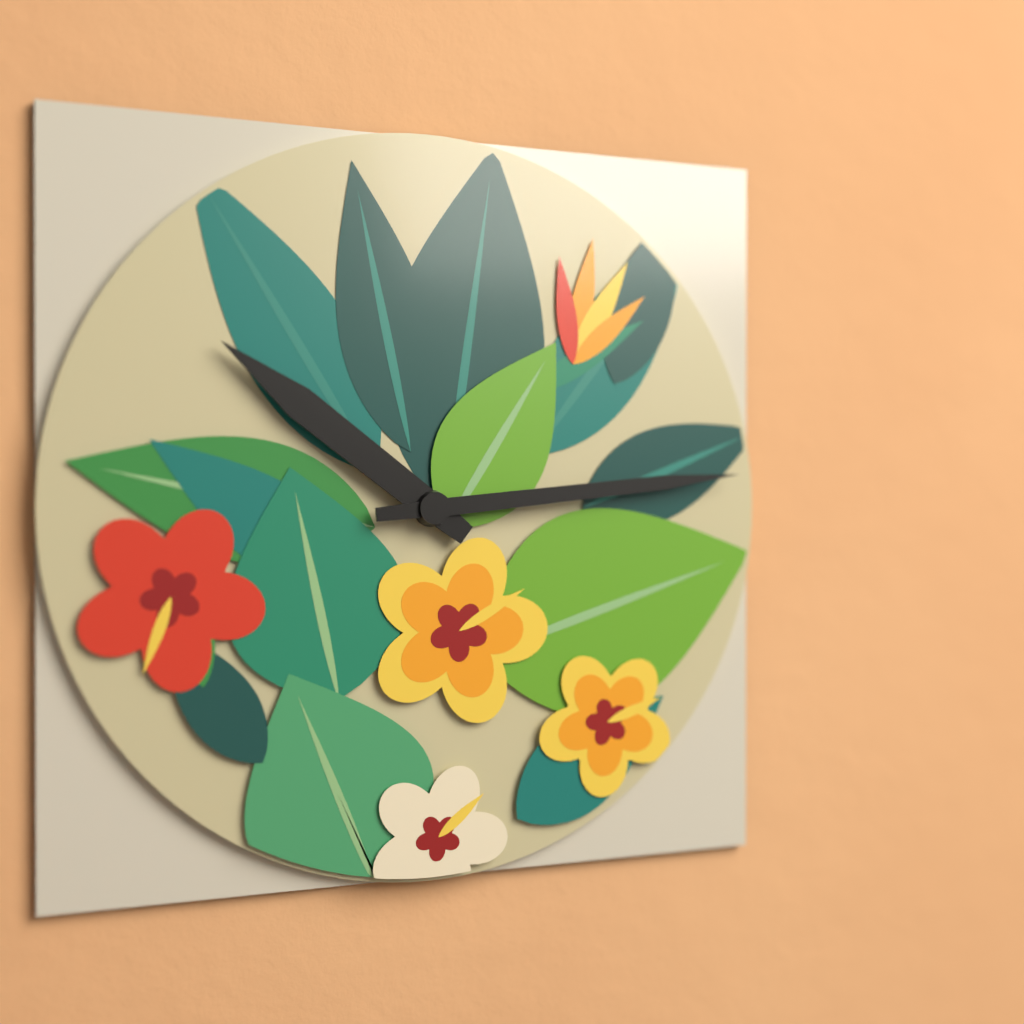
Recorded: 10.14
